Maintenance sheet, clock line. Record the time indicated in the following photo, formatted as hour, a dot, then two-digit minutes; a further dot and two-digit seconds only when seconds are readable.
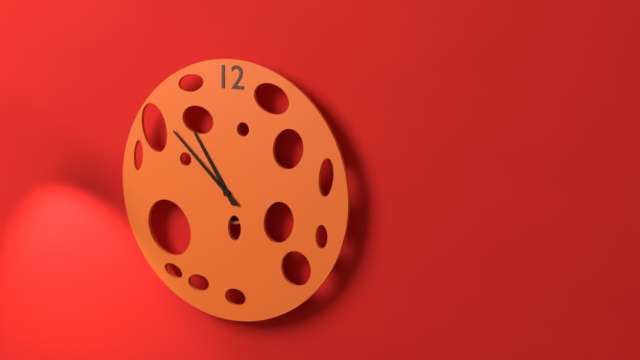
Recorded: 10.52
